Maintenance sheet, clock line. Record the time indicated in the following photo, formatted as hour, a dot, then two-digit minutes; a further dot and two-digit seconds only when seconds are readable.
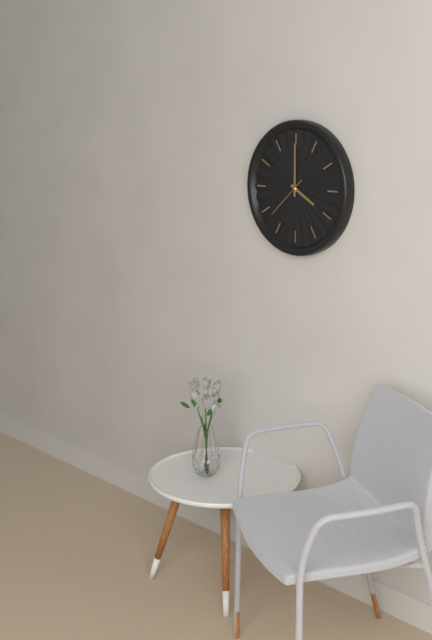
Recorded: 4.00
